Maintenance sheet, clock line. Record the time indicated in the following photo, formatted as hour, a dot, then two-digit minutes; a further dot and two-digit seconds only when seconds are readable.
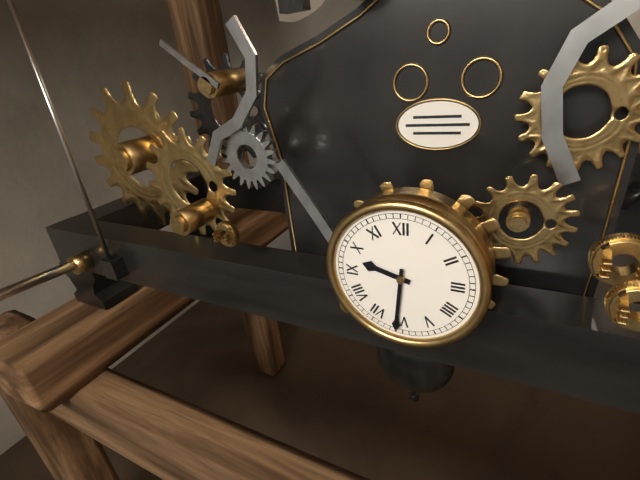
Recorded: 9.31
